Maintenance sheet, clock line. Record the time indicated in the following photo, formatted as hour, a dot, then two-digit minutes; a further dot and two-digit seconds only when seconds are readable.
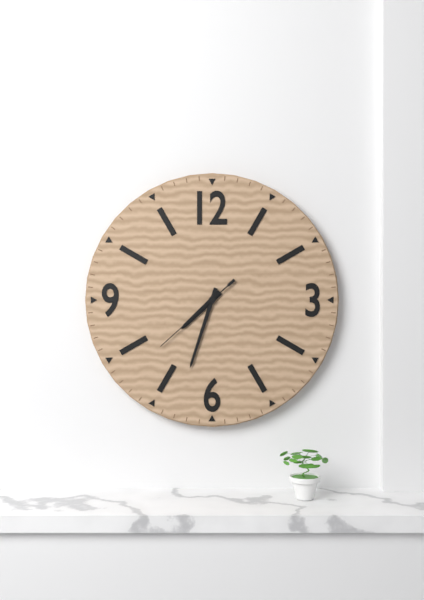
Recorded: 7.33.38
